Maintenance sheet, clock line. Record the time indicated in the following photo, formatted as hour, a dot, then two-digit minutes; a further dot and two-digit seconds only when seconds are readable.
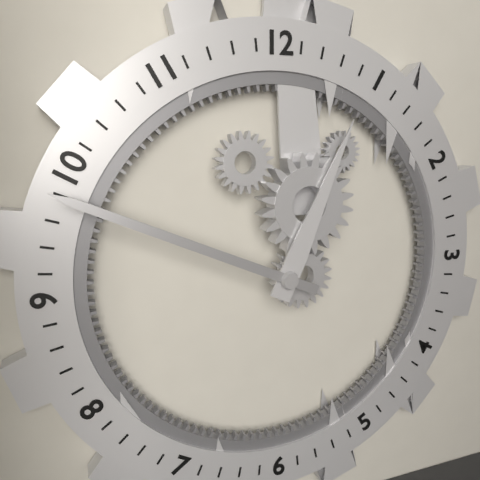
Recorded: 12.49
